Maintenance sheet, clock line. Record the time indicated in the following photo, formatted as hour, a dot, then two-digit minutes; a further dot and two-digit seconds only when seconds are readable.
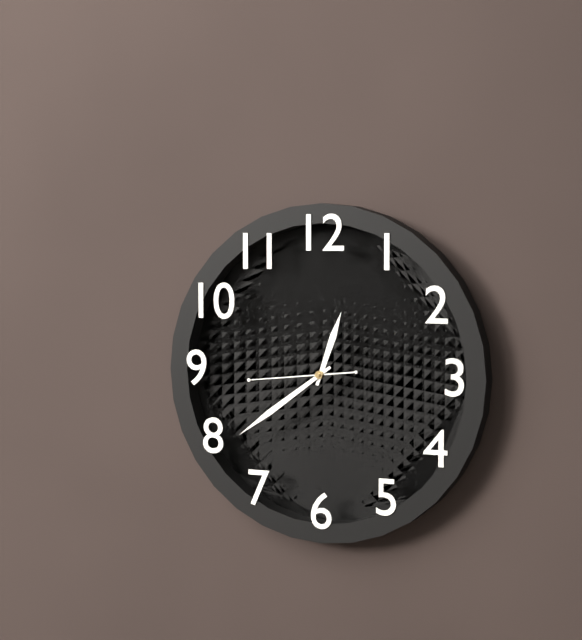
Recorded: 12.39.44
